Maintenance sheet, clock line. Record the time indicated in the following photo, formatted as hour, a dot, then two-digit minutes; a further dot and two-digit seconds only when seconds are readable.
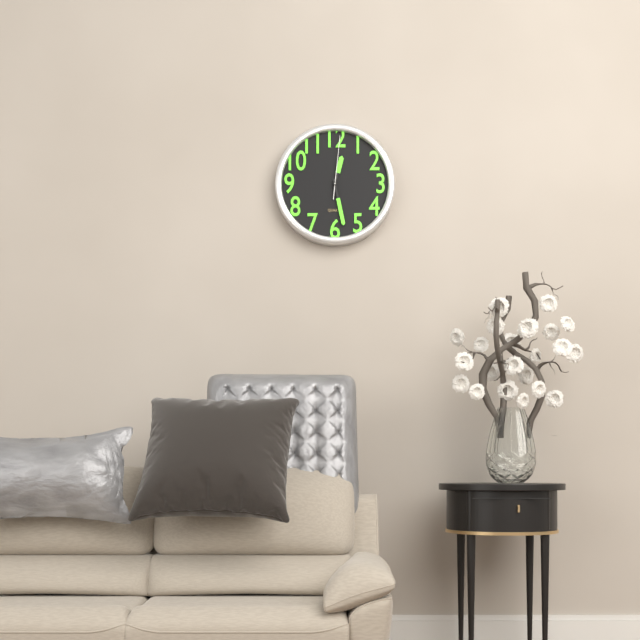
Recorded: 12.28.01
